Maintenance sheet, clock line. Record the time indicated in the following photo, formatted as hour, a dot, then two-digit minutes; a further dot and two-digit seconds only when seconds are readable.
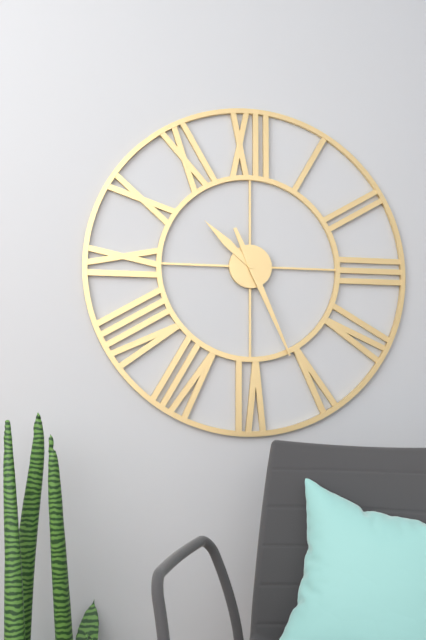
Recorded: 10.26
